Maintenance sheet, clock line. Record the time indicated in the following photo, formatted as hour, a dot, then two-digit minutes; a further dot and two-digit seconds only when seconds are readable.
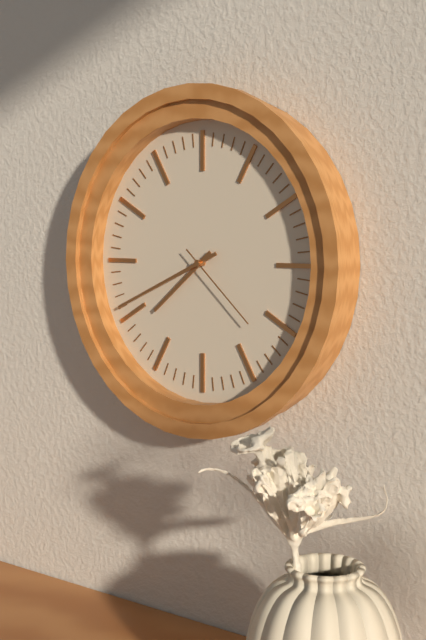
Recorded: 7.41.22
